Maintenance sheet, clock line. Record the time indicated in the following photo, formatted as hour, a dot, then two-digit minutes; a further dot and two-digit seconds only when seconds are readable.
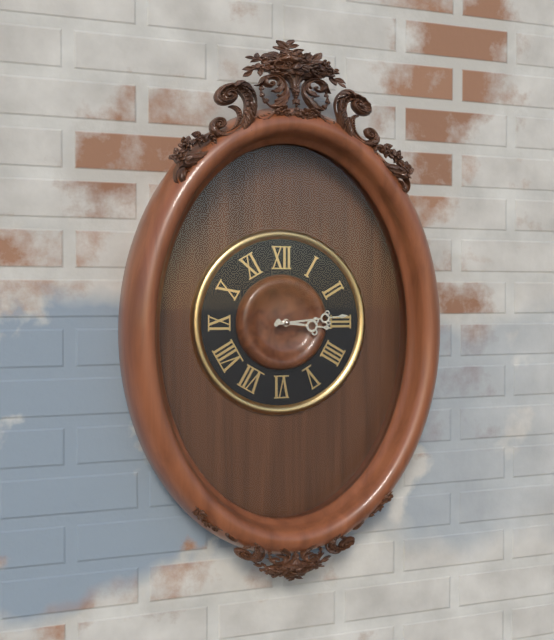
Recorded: 3.14
